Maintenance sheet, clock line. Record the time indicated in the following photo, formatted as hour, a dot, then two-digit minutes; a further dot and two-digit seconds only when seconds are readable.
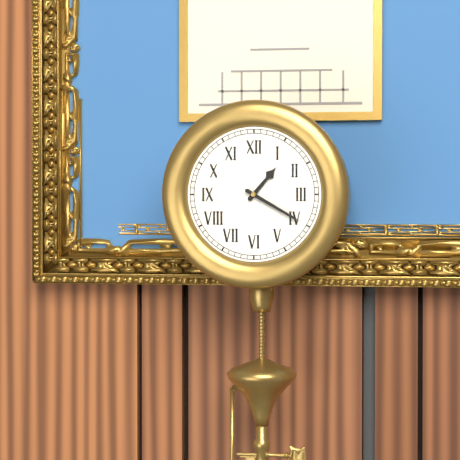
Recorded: 1.20
